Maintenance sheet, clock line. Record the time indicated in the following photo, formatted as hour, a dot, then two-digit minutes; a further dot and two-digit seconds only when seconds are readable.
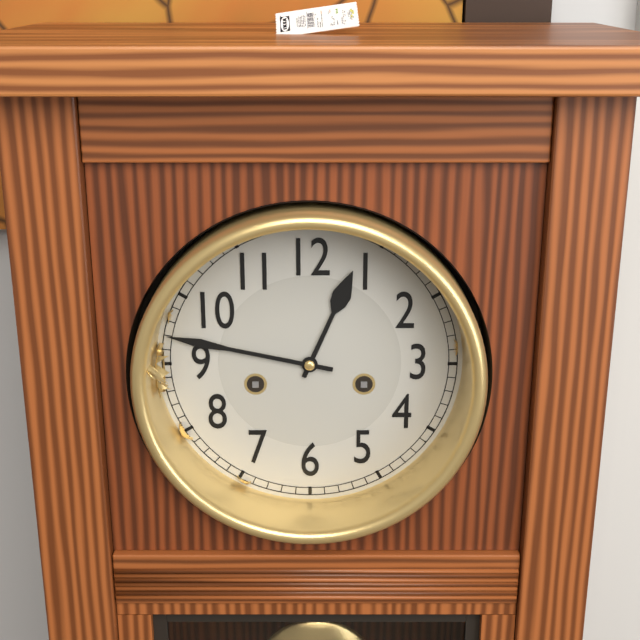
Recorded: 12.47
